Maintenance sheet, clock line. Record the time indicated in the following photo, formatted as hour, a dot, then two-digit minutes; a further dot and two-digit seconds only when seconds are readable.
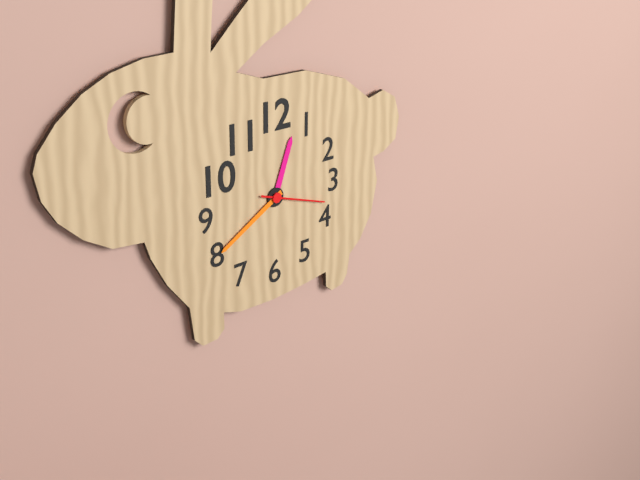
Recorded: 12.40.18
